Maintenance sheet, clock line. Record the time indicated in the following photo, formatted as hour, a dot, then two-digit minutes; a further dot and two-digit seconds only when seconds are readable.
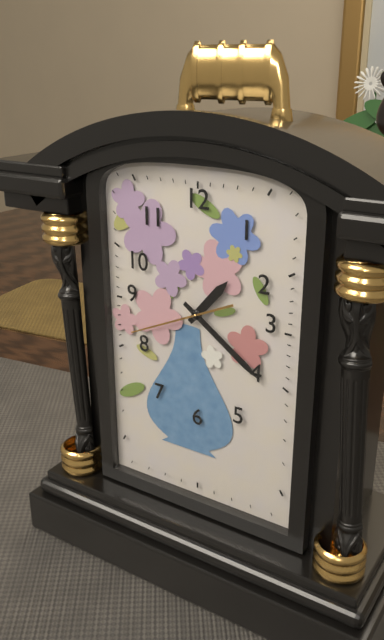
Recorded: 1.21.41
